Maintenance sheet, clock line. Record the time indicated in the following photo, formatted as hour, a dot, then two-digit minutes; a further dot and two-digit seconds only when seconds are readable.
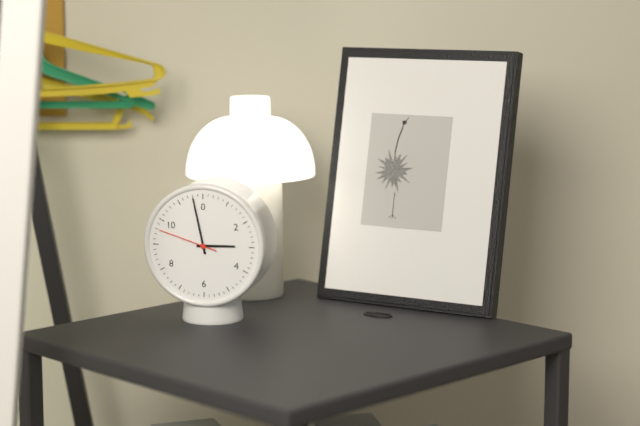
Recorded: 2.58.48
